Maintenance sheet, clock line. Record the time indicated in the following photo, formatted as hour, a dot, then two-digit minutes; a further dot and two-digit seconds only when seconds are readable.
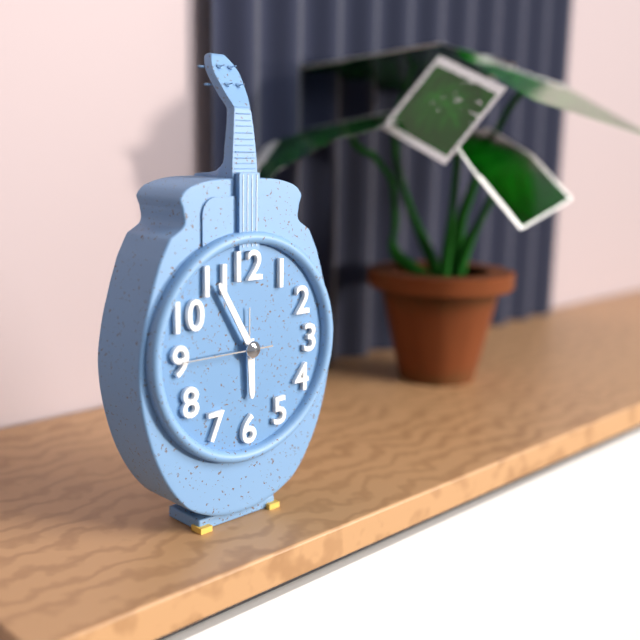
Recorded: 5.55.45
